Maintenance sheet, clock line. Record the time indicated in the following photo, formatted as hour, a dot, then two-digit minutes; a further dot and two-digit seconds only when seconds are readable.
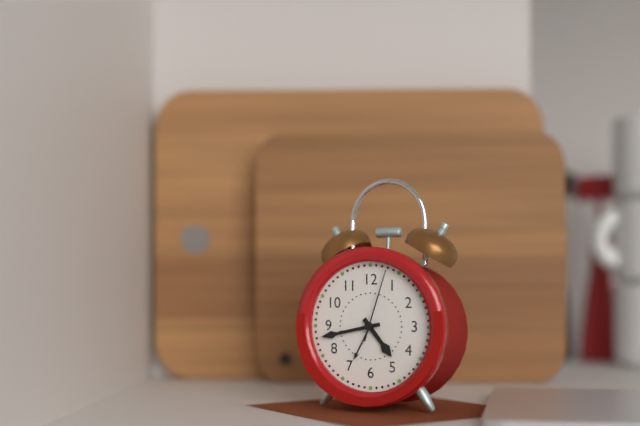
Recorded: 4.43.03
